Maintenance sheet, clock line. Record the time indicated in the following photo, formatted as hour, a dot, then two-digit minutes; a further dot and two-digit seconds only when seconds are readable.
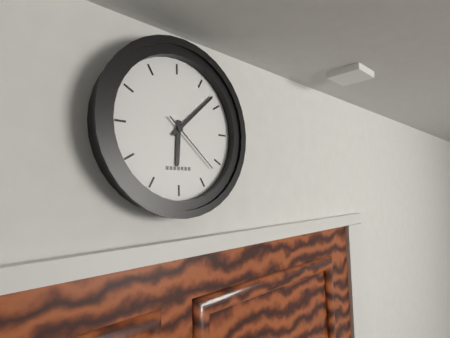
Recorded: 6.08.22
